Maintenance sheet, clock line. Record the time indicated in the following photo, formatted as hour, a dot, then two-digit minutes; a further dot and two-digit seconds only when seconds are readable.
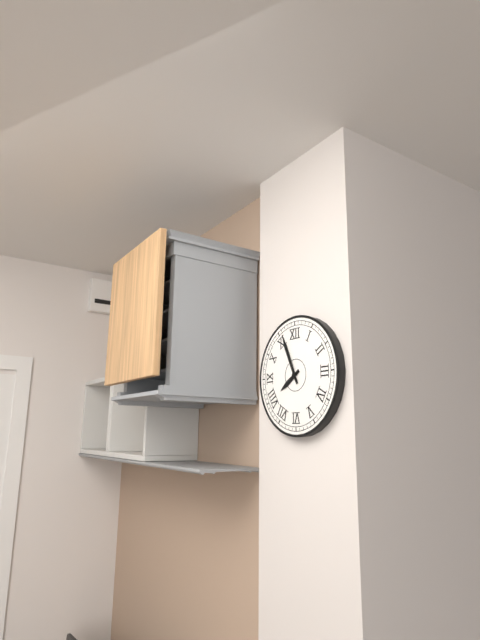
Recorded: 7.56
